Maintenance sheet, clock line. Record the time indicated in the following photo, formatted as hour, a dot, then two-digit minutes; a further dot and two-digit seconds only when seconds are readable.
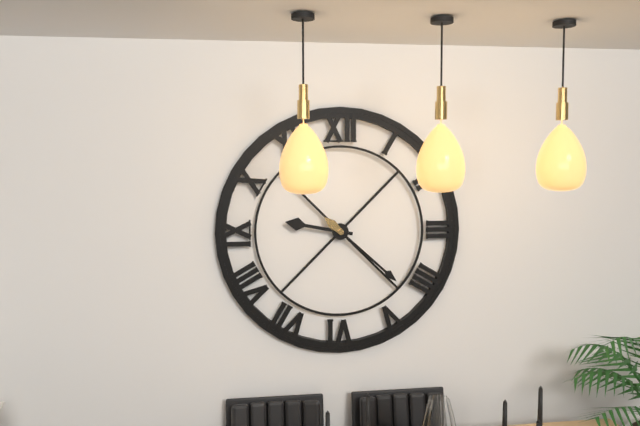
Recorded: 9.22
